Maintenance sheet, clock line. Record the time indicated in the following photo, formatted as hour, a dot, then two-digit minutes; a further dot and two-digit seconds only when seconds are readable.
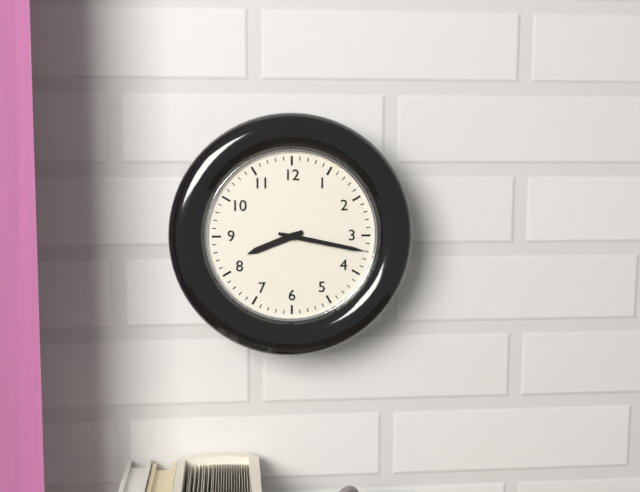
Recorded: 8.17
